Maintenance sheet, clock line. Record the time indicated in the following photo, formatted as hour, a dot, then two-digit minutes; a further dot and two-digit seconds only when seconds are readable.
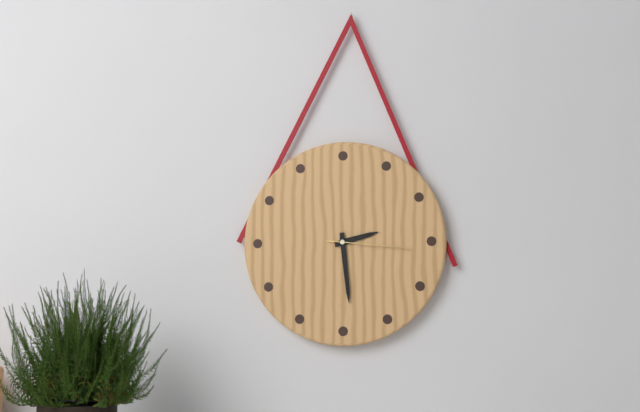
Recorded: 2.29.16
